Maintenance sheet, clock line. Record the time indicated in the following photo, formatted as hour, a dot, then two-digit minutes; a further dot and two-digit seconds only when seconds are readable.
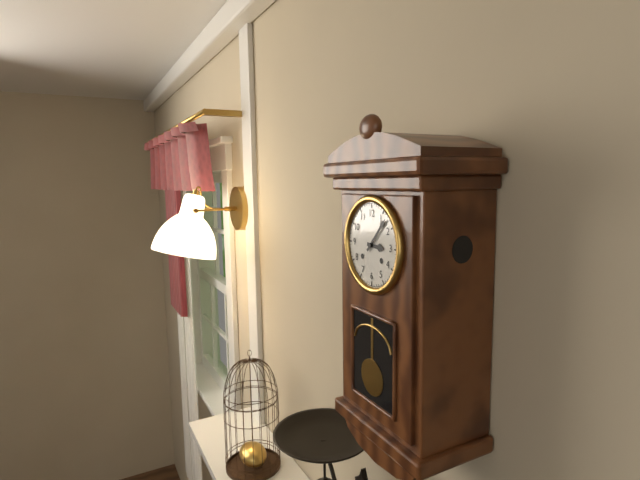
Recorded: 3.07
